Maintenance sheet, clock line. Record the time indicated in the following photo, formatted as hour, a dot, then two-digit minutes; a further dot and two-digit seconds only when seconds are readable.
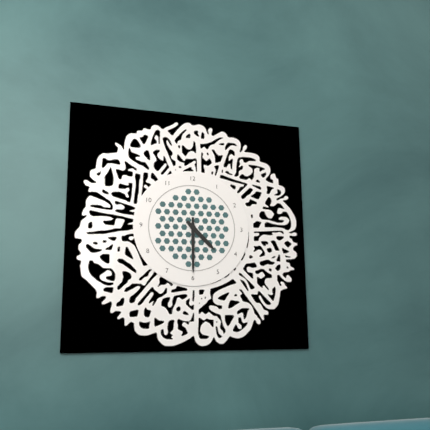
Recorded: 4.30
